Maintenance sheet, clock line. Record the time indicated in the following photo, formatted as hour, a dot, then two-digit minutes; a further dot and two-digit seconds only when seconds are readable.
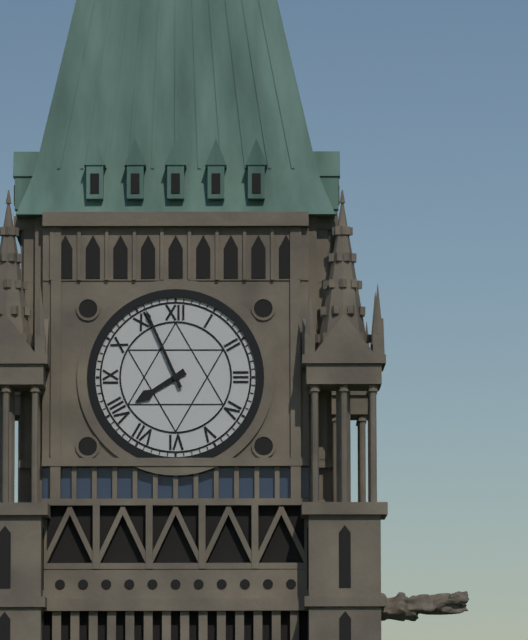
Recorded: 7.56
